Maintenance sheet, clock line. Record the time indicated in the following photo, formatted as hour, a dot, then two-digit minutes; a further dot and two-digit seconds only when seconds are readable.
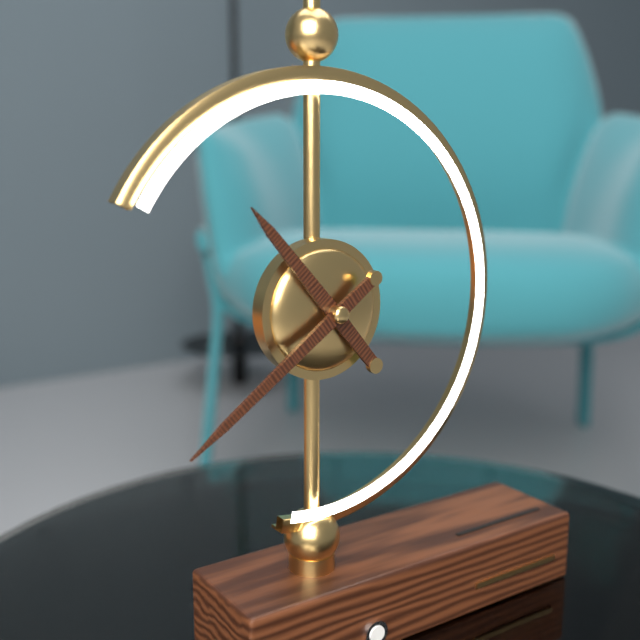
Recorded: 10.39
